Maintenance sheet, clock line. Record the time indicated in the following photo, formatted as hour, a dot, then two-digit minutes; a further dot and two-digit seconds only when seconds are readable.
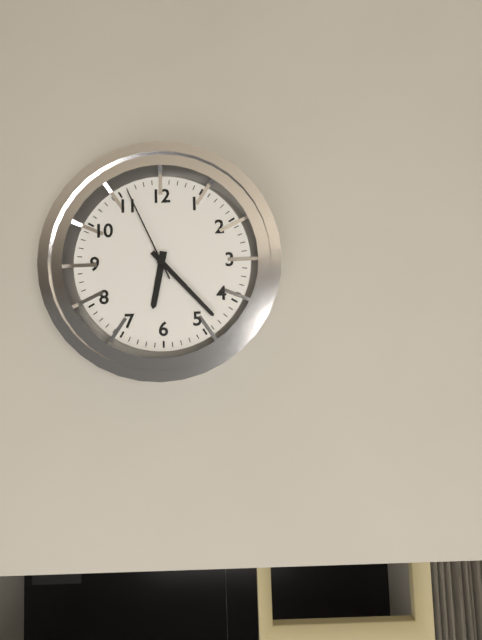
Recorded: 6.23.56
